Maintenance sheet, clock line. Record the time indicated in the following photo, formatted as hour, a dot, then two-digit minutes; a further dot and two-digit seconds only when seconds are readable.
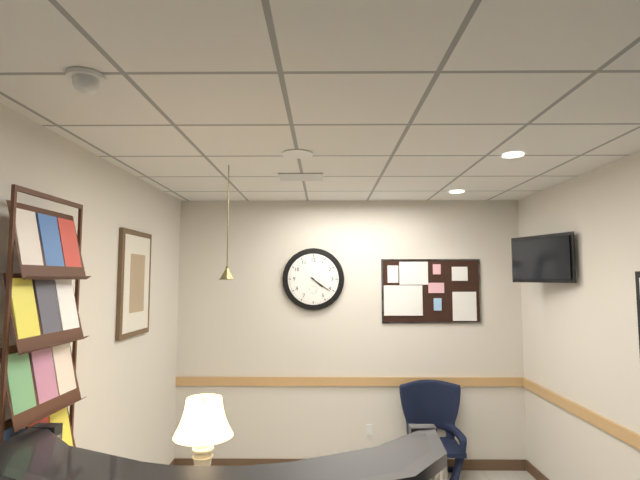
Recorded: 4.21
